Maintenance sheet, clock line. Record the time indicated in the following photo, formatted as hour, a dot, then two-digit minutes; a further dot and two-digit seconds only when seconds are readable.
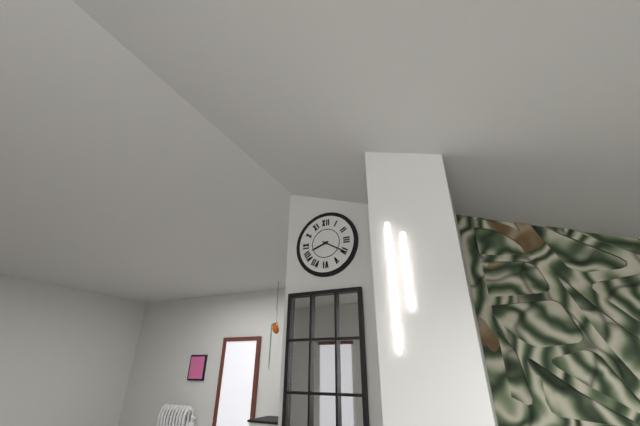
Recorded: 8.20
